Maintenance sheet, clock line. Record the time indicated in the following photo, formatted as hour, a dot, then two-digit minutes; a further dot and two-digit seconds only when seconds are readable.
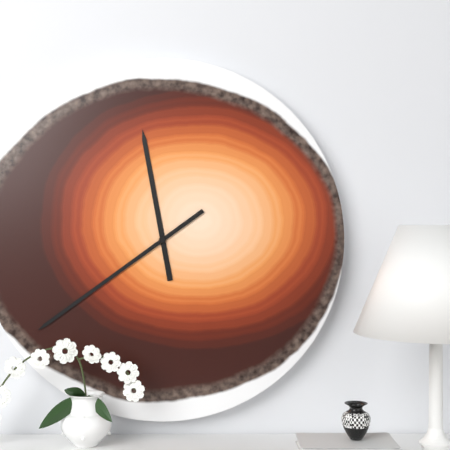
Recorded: 11.39
